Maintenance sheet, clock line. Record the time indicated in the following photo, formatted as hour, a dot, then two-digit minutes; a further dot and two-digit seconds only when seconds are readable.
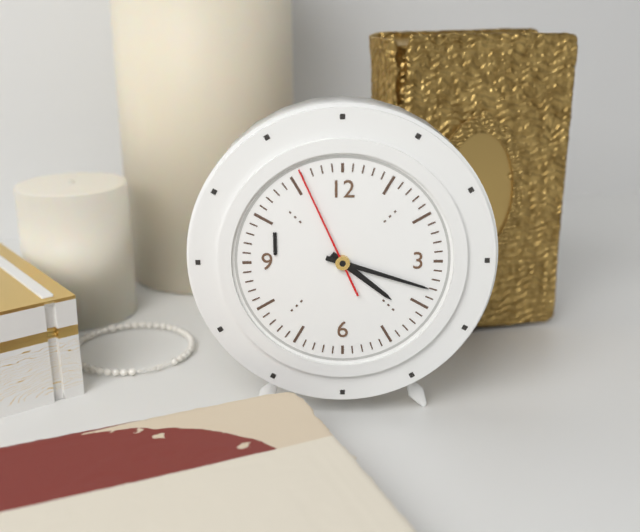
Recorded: 4.18.56
